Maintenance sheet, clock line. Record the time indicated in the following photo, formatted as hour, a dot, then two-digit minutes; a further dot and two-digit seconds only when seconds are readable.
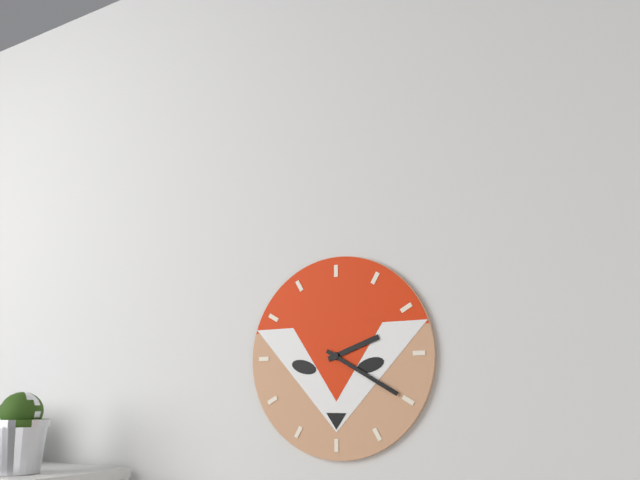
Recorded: 2.20
